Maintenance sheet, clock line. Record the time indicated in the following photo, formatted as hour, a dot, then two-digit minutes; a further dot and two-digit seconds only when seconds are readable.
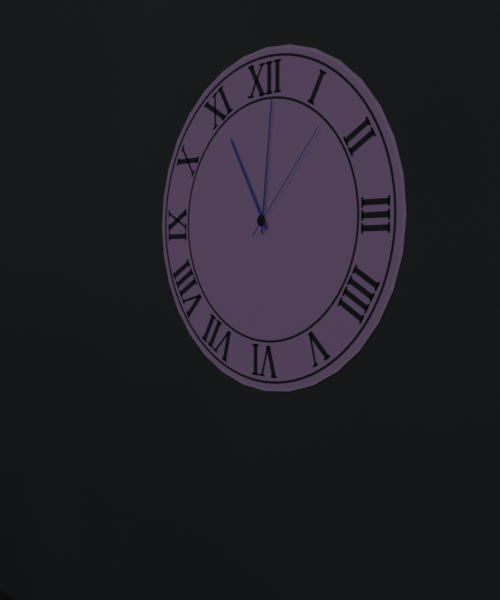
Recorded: 11.01.07
